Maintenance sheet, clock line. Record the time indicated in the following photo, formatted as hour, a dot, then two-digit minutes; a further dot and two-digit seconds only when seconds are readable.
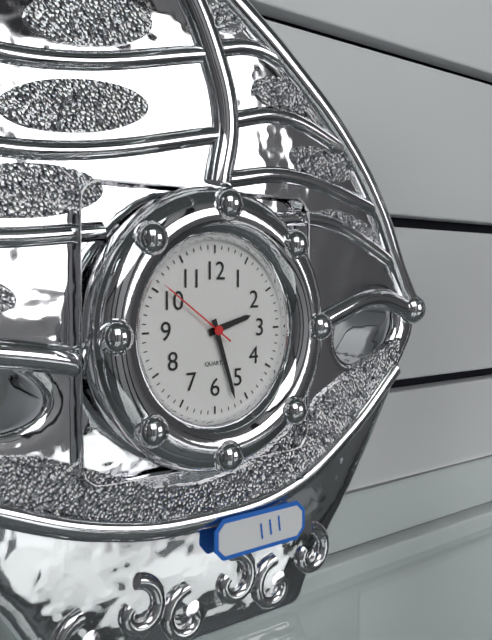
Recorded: 2.27.51
